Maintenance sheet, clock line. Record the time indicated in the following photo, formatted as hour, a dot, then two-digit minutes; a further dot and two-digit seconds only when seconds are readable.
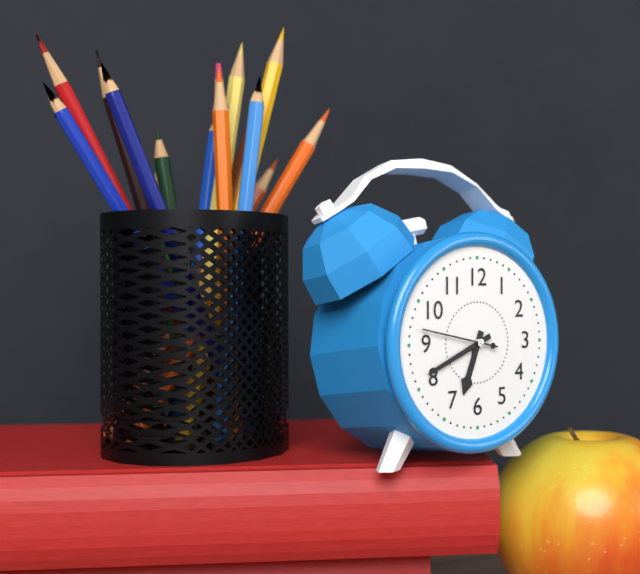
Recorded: 6.41.47
